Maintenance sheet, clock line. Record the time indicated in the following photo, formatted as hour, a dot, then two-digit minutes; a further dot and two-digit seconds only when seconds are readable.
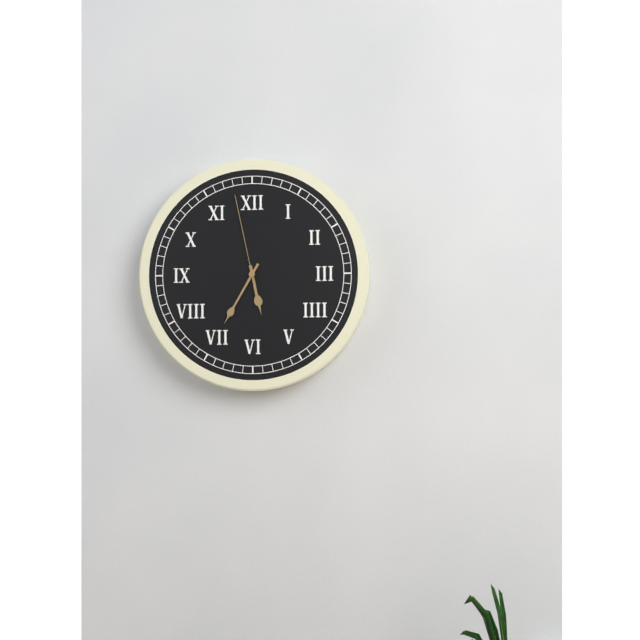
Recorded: 5.35.58
